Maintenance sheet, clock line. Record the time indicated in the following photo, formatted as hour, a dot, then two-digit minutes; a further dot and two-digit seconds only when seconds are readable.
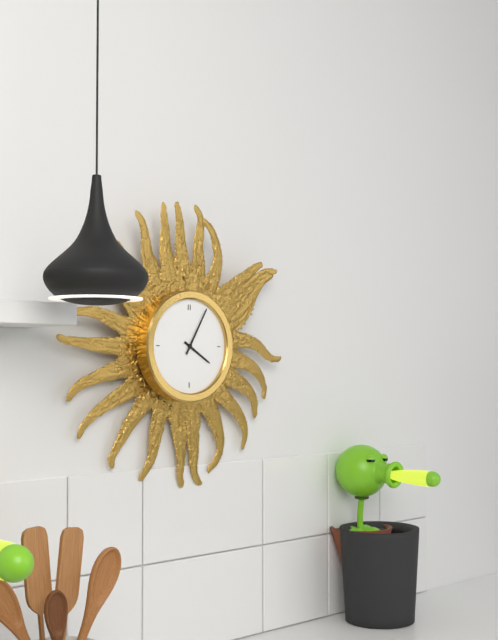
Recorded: 4.05
